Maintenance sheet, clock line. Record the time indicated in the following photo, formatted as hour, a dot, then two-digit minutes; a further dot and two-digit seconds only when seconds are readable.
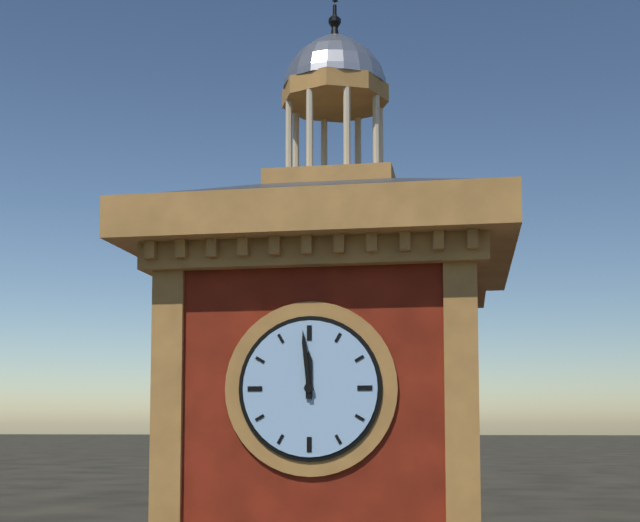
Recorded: 11.59
